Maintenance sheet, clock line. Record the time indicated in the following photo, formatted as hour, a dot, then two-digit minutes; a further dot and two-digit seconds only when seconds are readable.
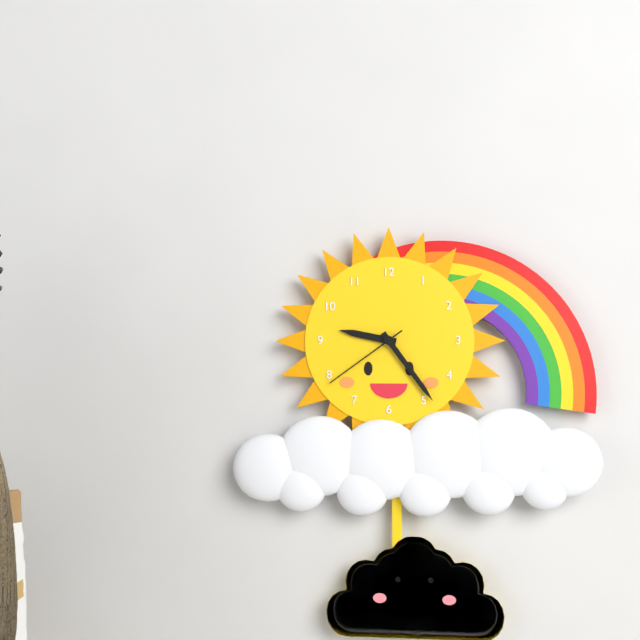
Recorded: 9.24.39
